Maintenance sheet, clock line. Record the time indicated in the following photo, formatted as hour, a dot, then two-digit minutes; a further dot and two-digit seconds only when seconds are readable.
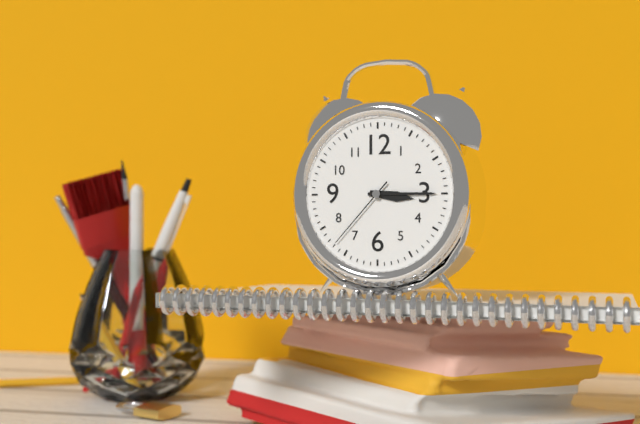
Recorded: 3.15.37
